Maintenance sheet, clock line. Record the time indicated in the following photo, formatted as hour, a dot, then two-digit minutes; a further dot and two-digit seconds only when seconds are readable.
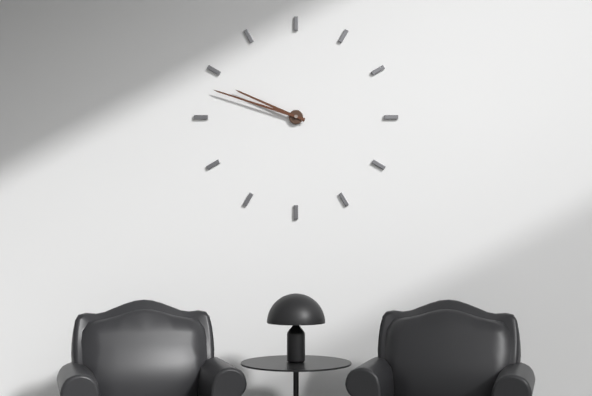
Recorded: 9.48
